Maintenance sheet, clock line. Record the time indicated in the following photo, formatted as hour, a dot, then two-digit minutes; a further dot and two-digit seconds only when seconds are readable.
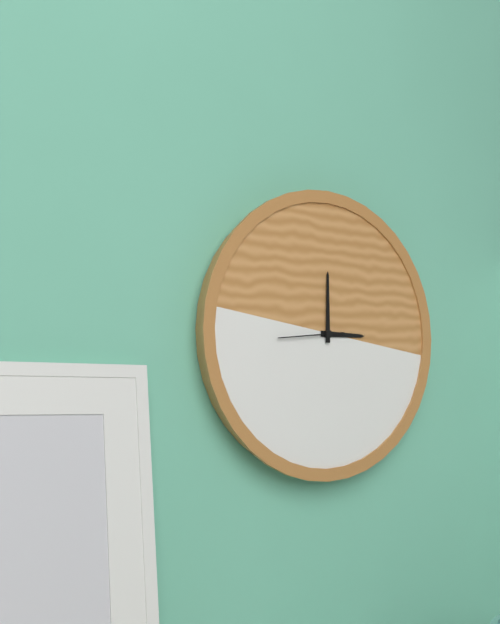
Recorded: 3.00.44
